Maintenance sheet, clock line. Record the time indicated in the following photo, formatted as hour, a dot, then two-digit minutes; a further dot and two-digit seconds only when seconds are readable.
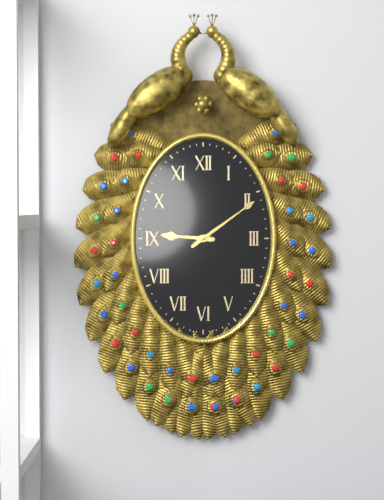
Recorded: 9.09
